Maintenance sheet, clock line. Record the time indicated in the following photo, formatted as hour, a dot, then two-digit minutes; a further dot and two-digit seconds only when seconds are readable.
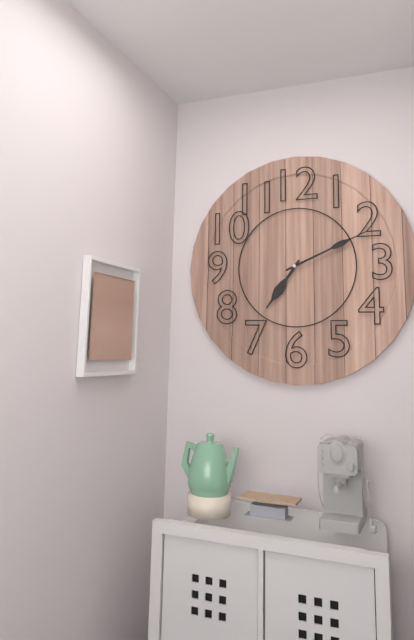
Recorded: 7.11
